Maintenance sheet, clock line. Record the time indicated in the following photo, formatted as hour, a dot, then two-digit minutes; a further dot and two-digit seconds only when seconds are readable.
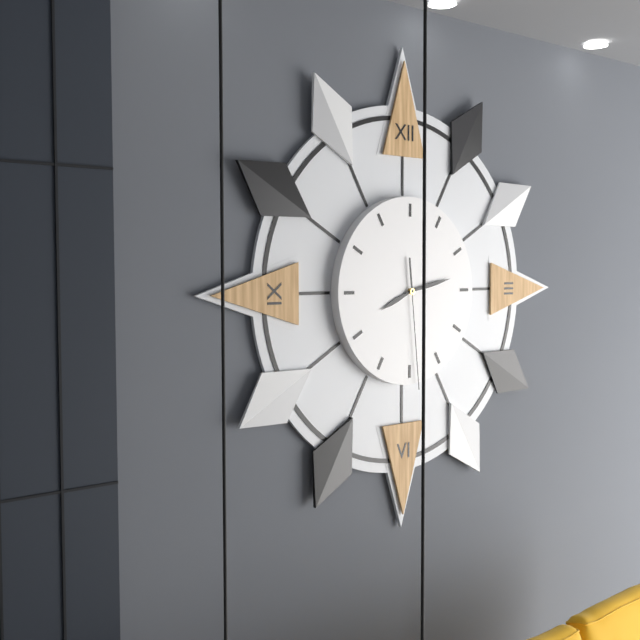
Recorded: 8.13.29
